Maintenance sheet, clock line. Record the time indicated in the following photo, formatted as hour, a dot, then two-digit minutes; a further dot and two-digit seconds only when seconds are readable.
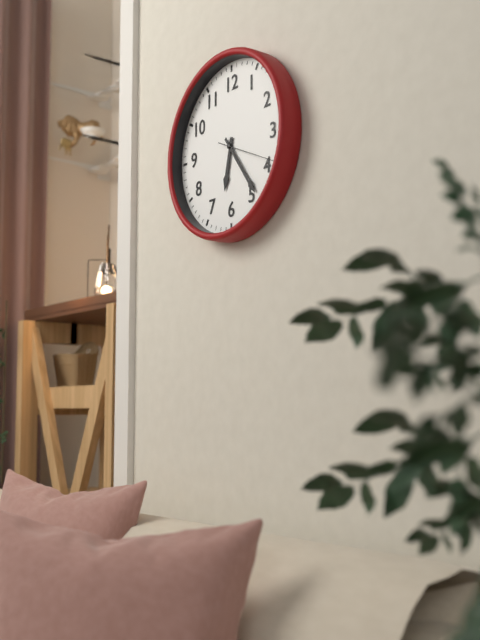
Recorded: 6.24.19
